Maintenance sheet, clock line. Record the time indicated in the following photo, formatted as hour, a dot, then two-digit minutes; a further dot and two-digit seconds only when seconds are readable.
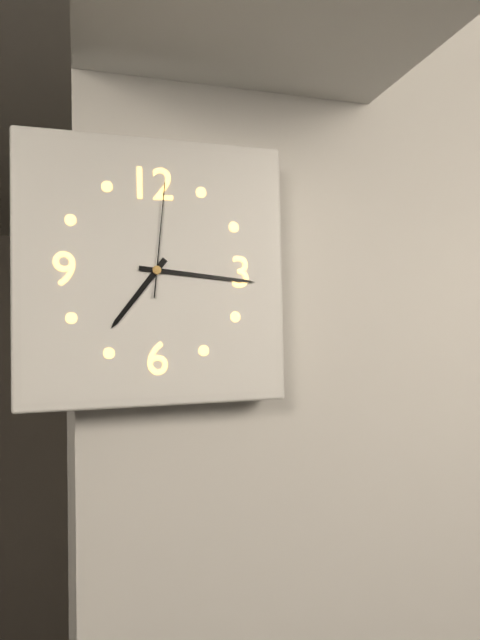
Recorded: 7.16.01
